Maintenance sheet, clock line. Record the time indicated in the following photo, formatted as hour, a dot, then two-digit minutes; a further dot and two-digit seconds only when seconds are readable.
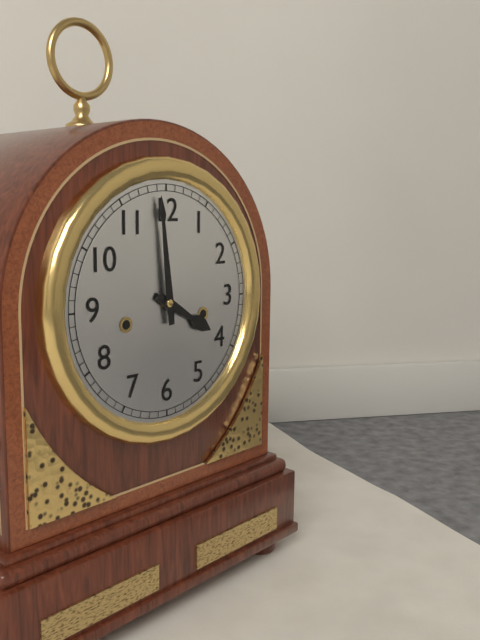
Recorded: 3.59
